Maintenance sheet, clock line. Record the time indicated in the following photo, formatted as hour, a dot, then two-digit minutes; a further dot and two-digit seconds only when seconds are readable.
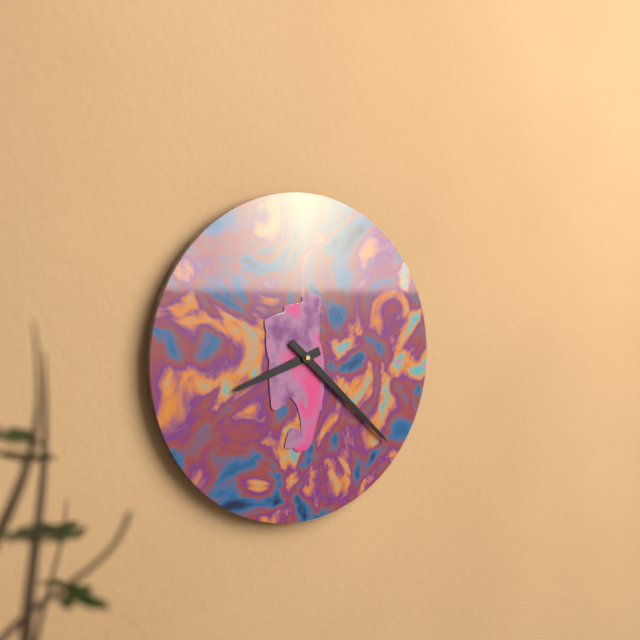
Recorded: 8.22
